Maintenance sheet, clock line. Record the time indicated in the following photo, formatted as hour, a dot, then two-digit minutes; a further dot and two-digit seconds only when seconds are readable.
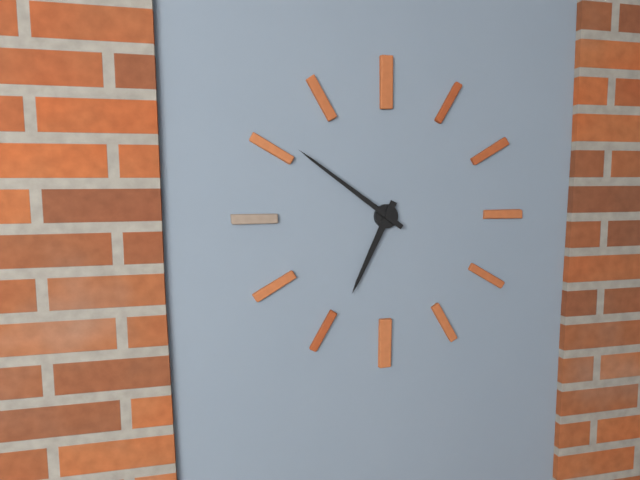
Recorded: 6.51
